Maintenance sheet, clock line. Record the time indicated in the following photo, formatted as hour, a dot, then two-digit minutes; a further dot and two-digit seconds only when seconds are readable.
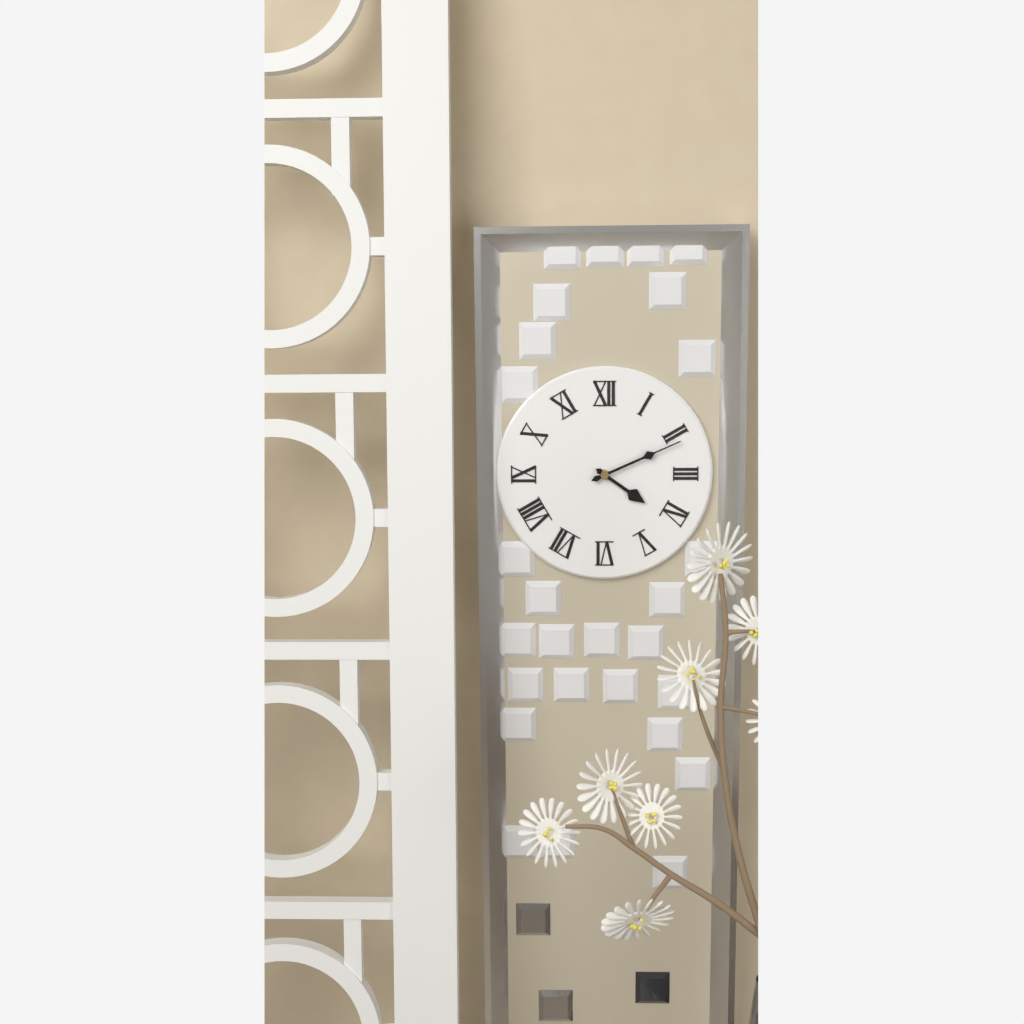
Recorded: 4.11
